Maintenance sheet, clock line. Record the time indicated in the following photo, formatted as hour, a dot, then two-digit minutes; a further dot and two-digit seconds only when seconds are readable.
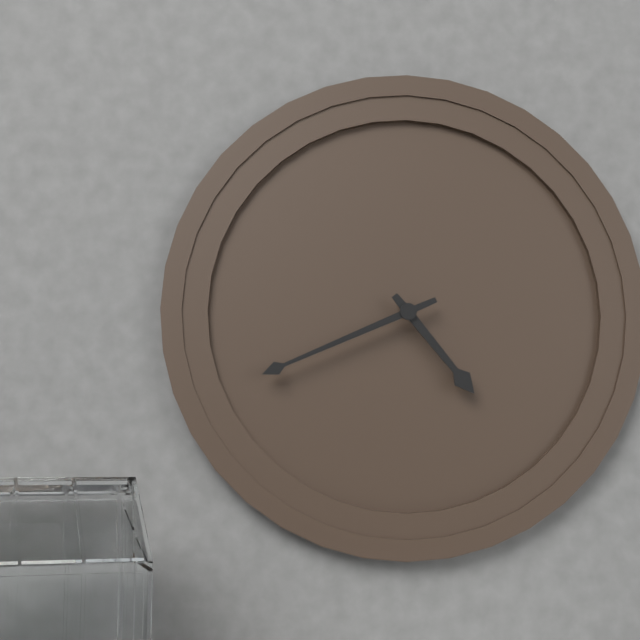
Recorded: 4.41
